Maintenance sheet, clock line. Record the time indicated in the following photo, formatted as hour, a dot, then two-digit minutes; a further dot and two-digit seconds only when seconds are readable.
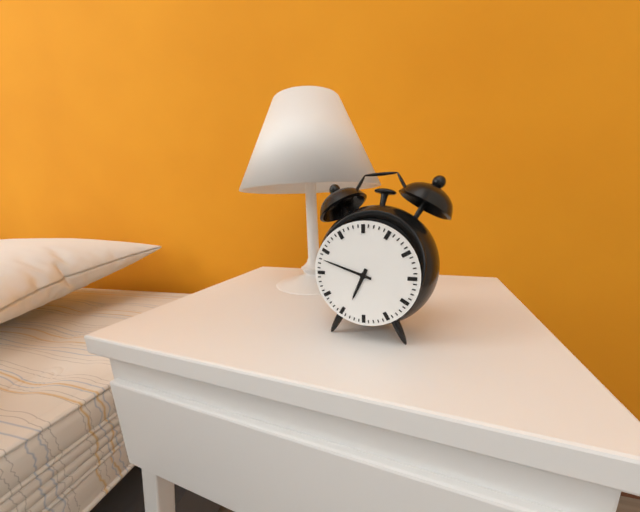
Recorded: 6.48
